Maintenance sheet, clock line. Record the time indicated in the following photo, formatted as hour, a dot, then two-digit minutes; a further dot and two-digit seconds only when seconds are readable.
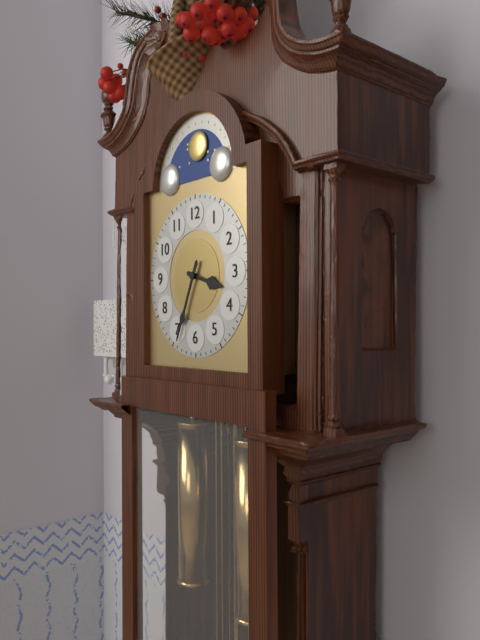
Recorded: 3.34
